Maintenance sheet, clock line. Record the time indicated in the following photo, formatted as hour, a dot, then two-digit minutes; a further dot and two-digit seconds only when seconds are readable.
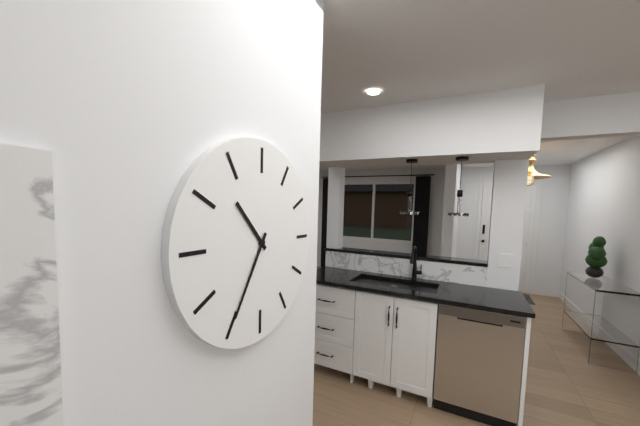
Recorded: 10.35
